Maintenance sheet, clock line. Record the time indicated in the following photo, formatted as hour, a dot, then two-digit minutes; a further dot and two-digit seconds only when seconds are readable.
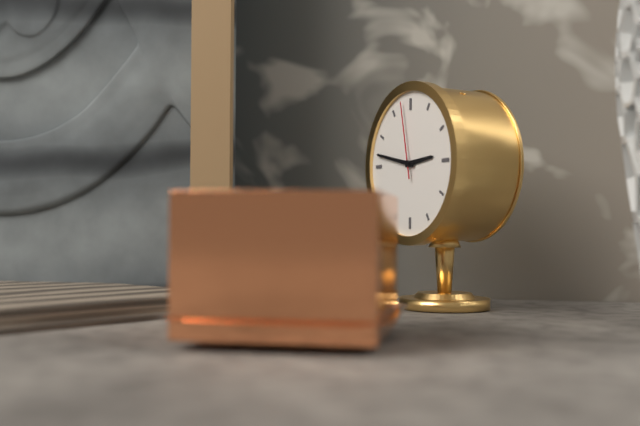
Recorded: 2.47.58
